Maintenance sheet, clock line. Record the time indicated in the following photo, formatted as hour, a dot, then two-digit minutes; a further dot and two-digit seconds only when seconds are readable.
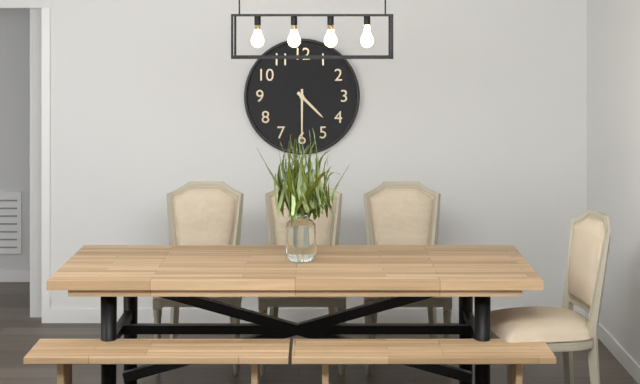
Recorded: 4.30
